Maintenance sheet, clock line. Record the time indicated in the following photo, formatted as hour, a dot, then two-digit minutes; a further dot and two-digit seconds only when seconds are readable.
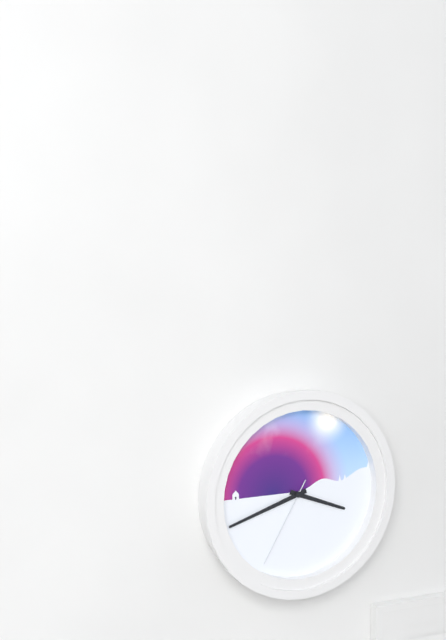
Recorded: 3.42.35
